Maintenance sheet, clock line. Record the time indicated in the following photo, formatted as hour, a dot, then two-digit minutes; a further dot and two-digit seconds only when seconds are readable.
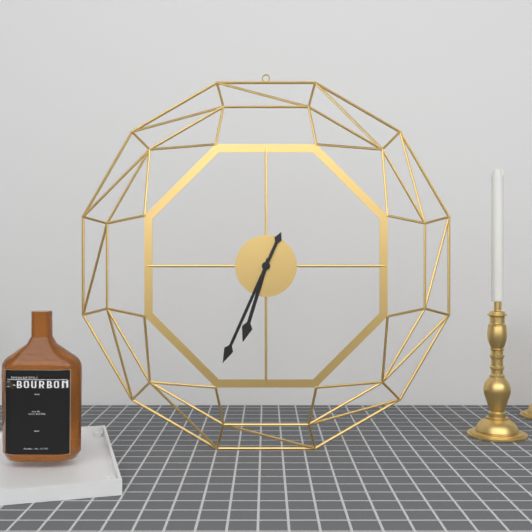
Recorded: 6.34
